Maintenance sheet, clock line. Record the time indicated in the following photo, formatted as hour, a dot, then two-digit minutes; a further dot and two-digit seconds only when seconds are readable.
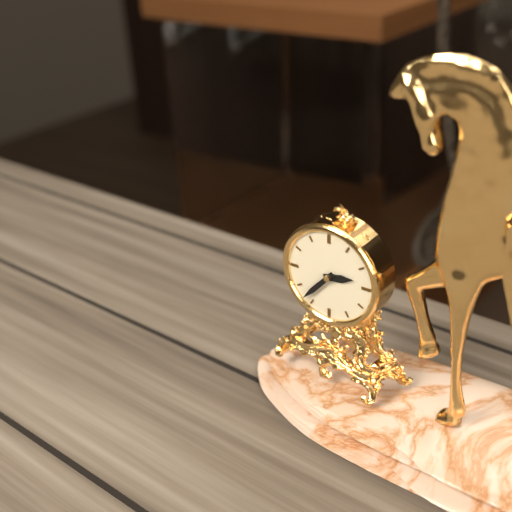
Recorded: 2.37
